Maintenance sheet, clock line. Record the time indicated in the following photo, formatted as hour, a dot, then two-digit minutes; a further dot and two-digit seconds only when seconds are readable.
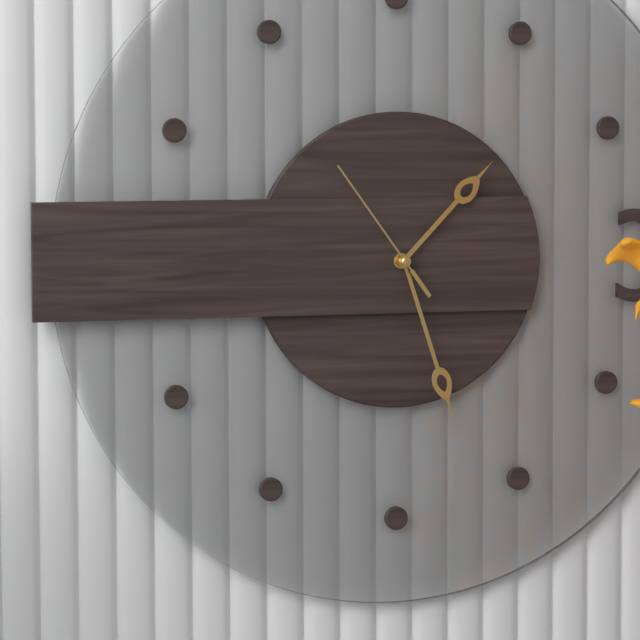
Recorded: 1.27.54
